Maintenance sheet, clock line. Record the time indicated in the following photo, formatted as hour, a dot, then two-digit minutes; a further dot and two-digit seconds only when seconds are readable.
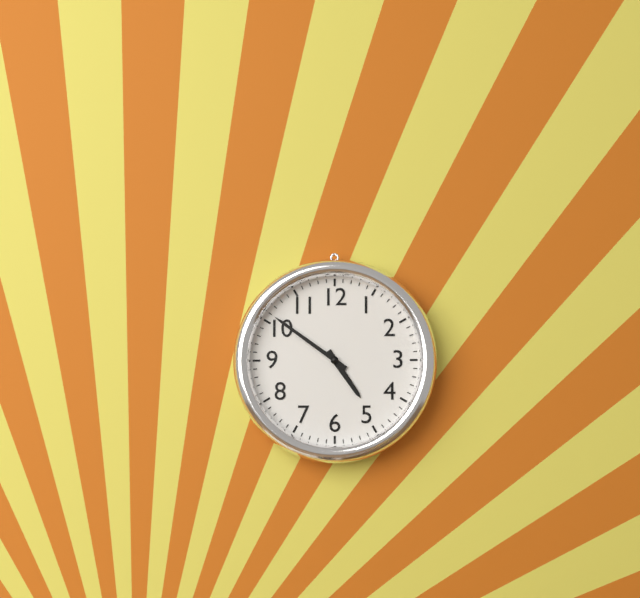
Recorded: 4.51
